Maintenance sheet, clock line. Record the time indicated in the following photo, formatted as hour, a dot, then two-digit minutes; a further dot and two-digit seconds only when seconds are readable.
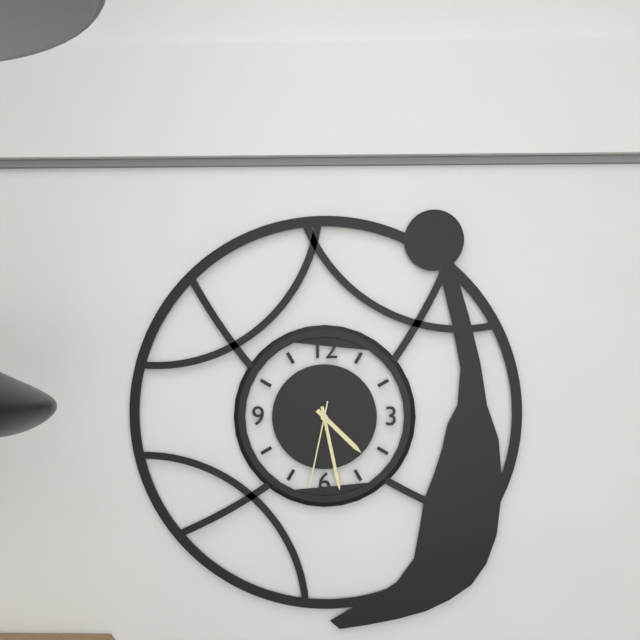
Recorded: 4.28.32
